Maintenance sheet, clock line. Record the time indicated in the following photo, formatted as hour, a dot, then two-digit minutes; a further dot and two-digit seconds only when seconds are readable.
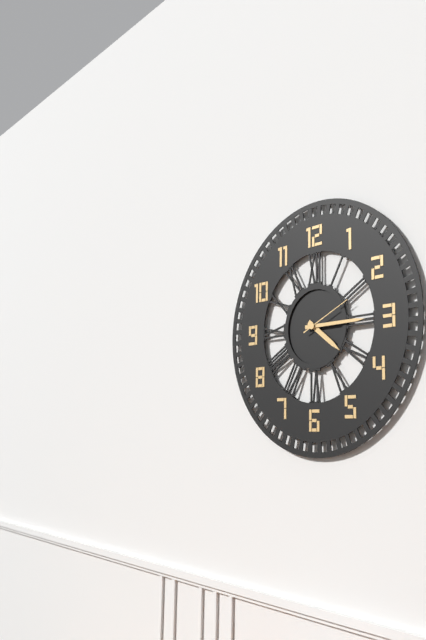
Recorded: 4.15.11
